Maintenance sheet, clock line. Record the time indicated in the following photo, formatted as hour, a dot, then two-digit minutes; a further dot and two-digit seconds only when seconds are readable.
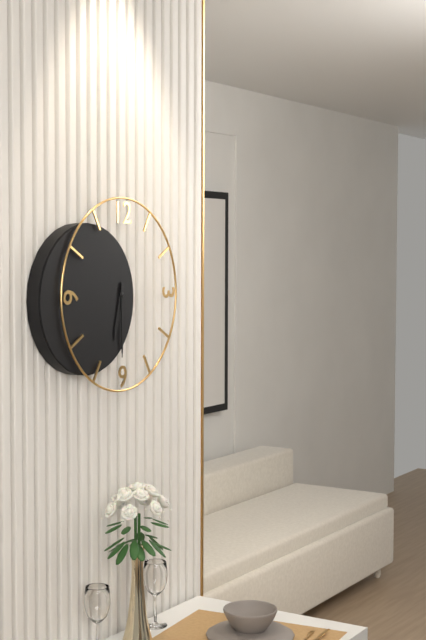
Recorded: 6.30
